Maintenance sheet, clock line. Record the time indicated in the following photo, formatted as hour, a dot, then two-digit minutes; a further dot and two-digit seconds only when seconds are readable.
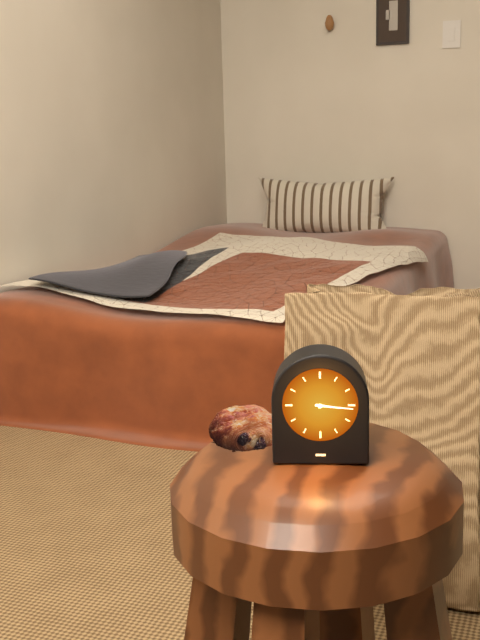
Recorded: 3.16
